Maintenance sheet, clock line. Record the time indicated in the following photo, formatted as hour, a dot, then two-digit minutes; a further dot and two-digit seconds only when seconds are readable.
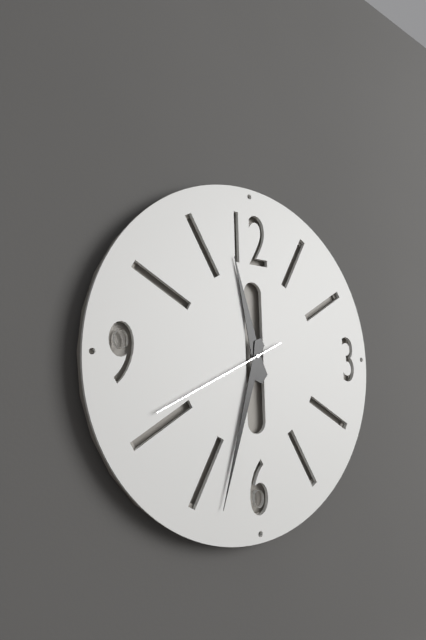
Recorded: 11.33.41
